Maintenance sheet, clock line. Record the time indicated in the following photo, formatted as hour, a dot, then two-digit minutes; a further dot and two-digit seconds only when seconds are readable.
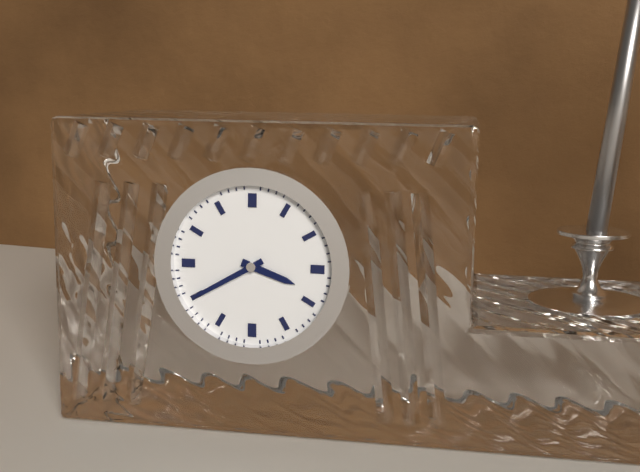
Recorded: 3.40
